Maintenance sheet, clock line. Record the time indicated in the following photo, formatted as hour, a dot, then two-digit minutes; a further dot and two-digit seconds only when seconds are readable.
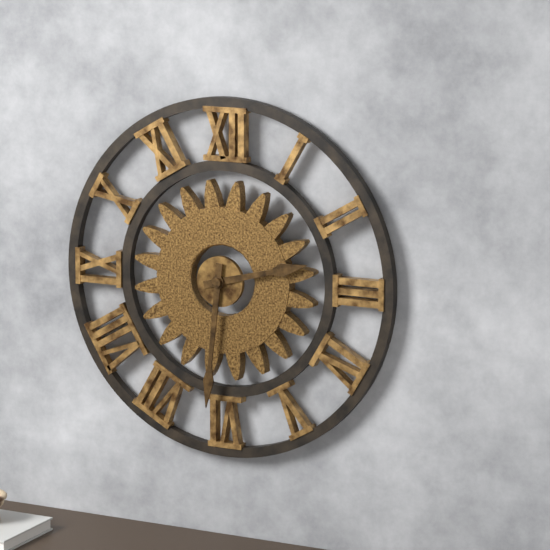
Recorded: 2.31
